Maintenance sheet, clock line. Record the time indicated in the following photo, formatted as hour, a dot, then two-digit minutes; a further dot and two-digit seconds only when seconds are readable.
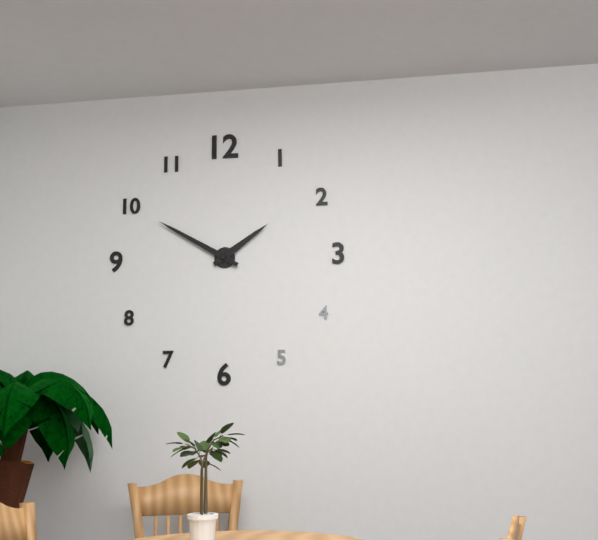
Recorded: 1.50
